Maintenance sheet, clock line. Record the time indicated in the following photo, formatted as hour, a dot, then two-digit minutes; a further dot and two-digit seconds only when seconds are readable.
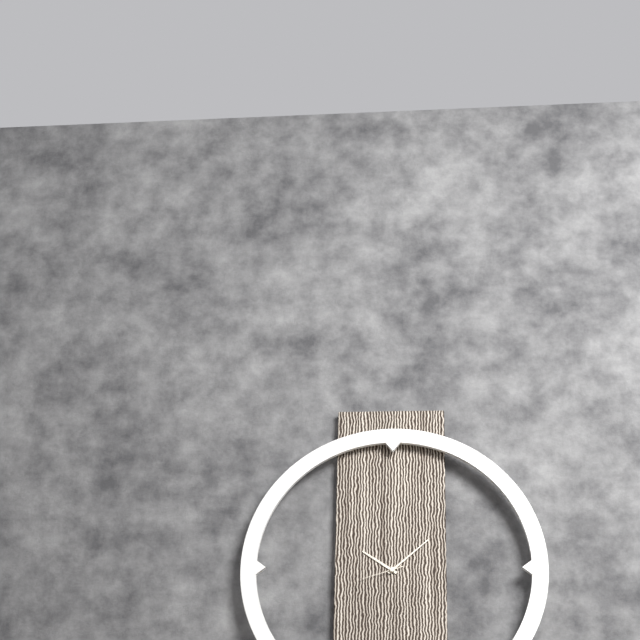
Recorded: 10.08
